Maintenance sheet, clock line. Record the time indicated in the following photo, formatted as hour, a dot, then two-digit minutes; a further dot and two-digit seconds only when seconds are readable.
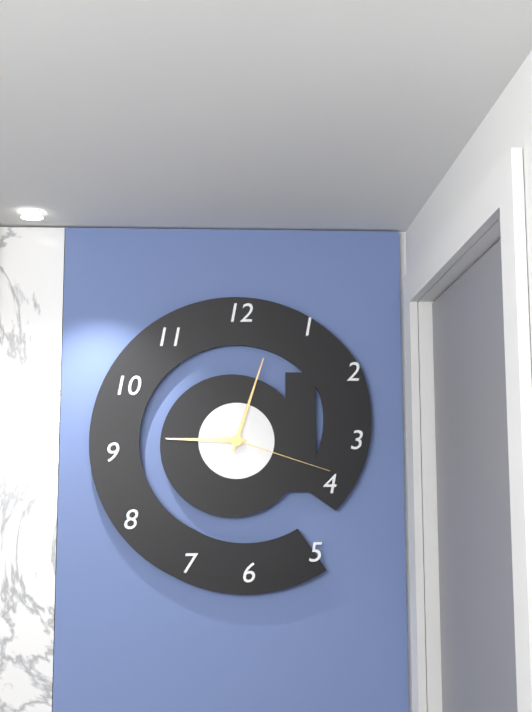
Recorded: 9.03.18
